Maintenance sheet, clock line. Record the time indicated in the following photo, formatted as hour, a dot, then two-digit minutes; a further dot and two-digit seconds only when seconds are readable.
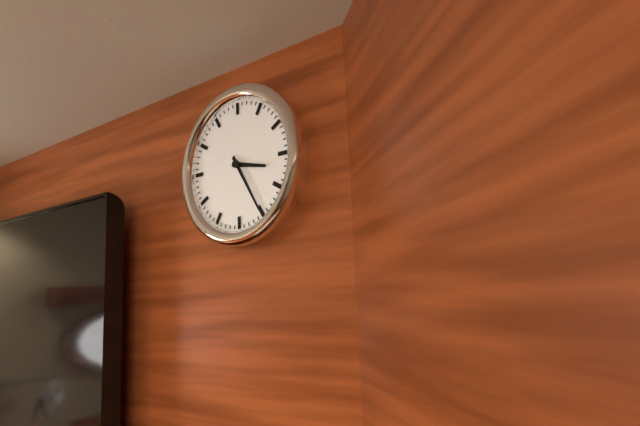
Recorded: 3.25
